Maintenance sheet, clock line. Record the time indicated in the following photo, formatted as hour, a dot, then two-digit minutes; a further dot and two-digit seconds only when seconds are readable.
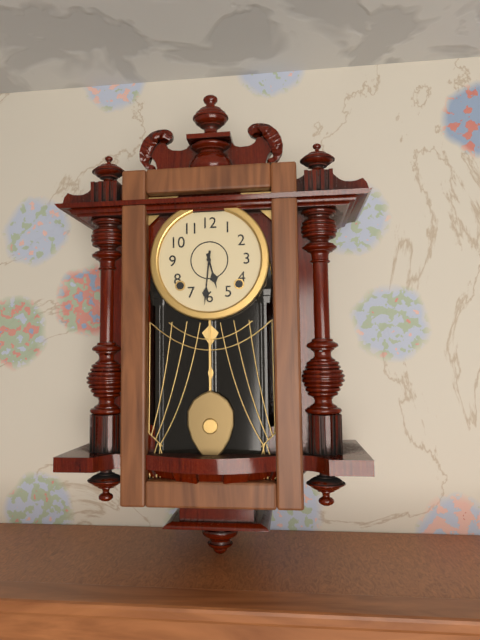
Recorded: 5.31
